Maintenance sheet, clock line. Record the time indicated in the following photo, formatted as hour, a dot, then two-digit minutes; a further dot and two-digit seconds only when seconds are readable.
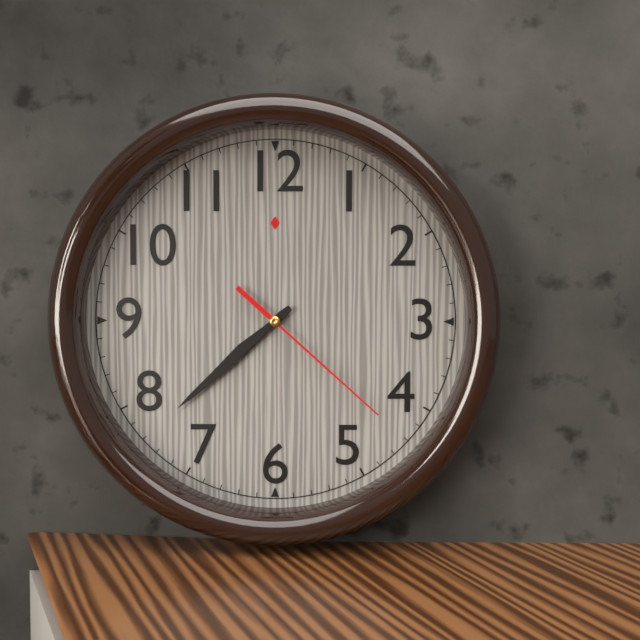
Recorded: 7.38.22
